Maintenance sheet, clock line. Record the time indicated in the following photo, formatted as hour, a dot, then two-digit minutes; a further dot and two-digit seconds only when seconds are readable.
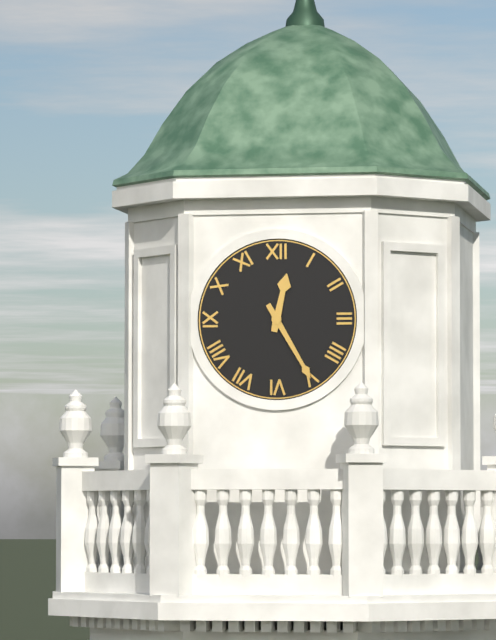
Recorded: 12.25
